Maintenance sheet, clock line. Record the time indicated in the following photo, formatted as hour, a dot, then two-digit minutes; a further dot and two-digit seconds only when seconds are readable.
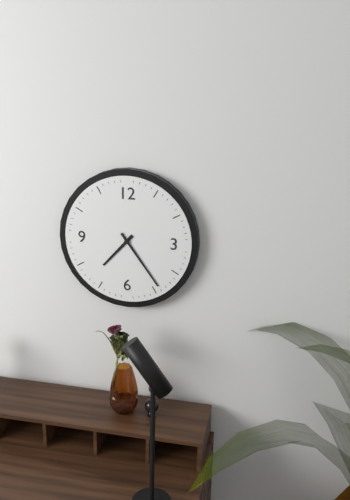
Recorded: 7.24
